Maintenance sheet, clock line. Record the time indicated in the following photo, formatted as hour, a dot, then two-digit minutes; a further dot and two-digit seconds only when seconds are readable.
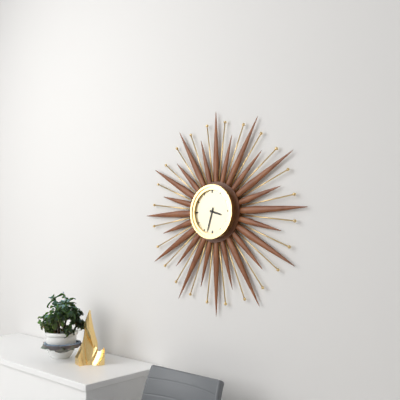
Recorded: 3.33
